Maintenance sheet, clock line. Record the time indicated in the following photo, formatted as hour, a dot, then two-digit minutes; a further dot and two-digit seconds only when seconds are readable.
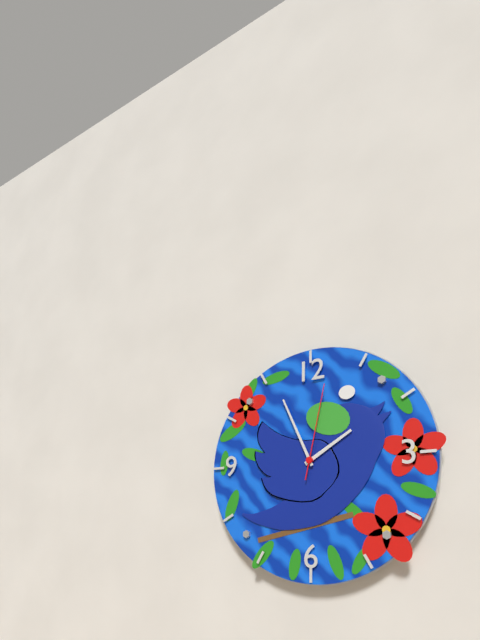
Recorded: 1.56.02
